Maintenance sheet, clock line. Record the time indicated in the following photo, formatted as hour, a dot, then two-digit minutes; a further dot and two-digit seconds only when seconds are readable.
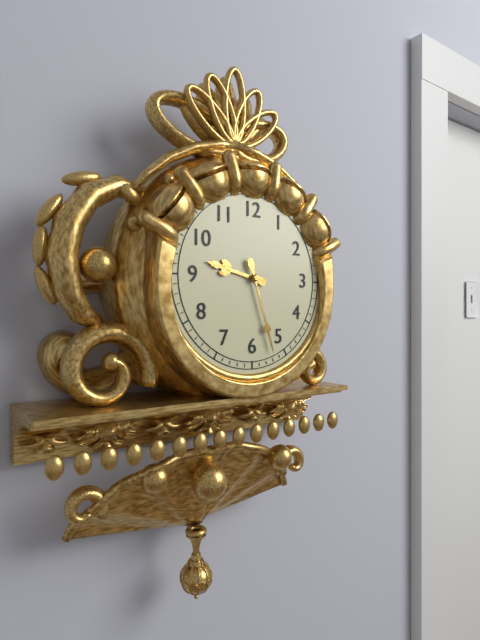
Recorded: 9.27
